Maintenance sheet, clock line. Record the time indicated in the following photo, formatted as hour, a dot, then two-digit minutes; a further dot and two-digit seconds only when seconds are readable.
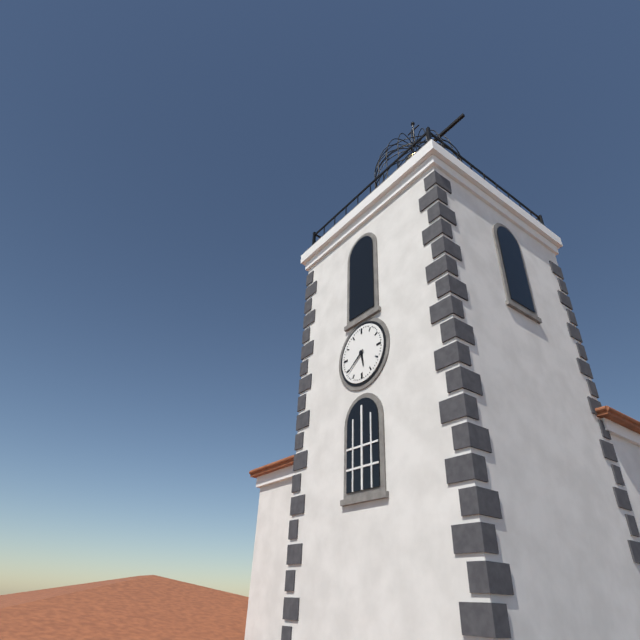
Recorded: 5.39
